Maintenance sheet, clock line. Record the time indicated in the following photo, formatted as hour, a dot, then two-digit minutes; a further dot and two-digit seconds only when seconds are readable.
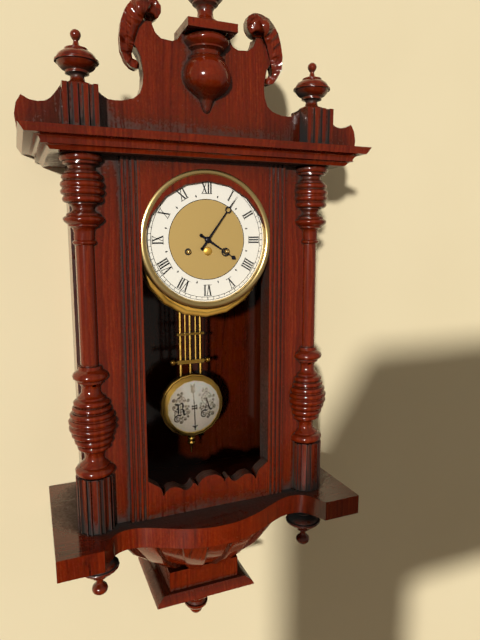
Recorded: 4.06
